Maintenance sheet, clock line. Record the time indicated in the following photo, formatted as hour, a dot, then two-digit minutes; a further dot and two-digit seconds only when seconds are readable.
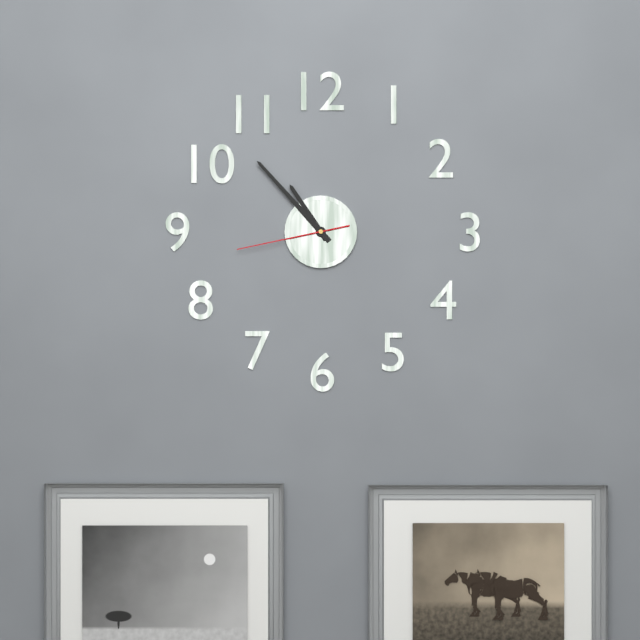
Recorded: 10.53.43
